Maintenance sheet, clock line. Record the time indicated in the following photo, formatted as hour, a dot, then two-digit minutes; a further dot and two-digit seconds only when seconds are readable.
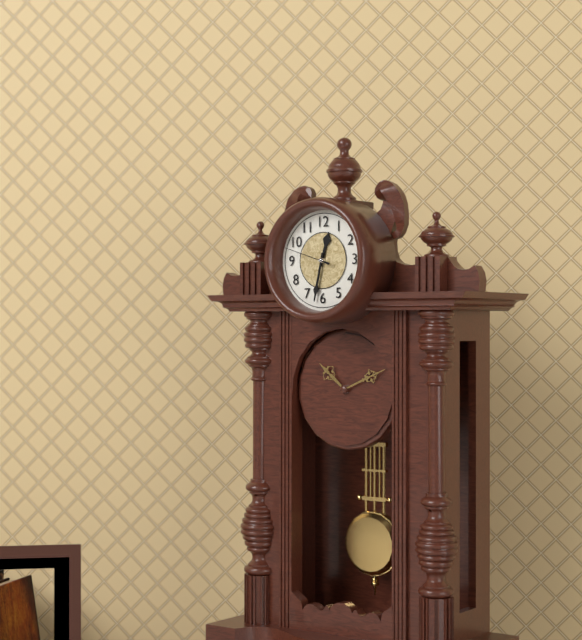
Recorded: 12.32.48
